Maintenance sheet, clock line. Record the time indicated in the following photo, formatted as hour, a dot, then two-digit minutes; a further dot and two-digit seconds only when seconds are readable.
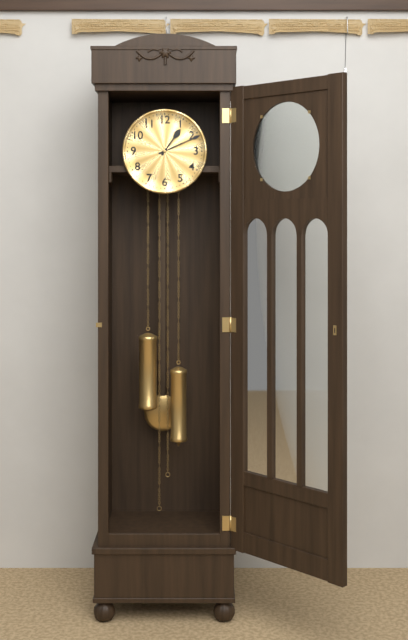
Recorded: 1.11
